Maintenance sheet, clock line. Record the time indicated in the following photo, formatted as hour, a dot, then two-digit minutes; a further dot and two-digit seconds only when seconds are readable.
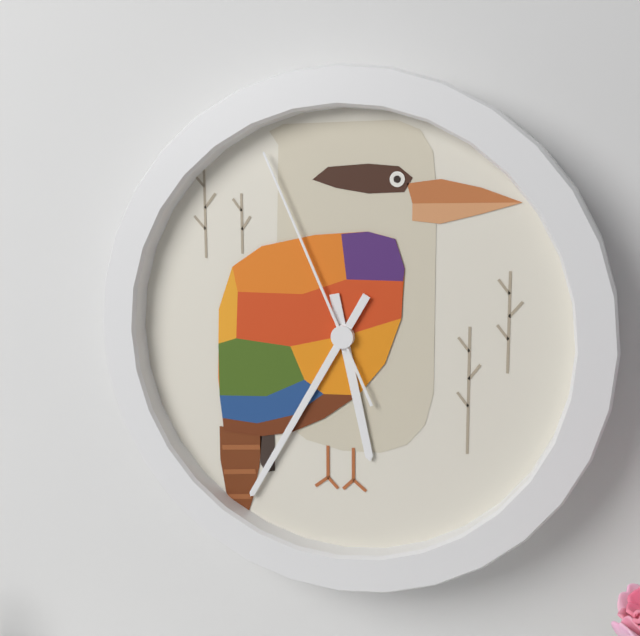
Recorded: 5.35.56
